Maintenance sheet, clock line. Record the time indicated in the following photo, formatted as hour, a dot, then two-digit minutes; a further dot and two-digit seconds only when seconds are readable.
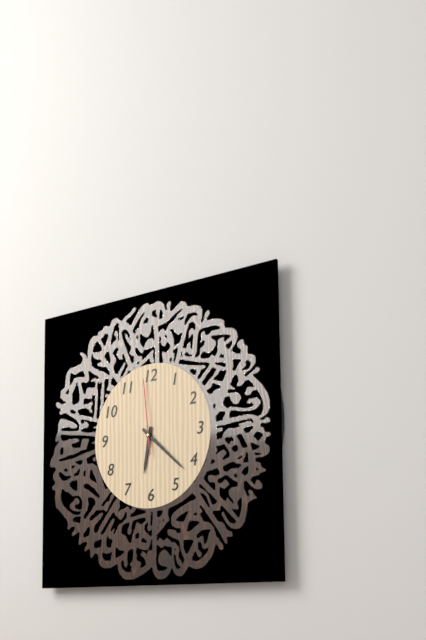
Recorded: 6.22.59
